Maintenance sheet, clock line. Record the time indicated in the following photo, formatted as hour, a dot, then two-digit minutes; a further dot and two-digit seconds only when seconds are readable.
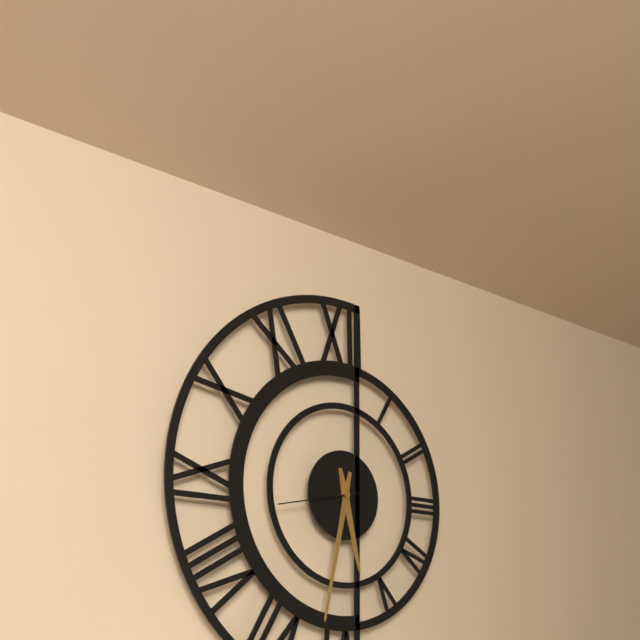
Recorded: 5.32.43
